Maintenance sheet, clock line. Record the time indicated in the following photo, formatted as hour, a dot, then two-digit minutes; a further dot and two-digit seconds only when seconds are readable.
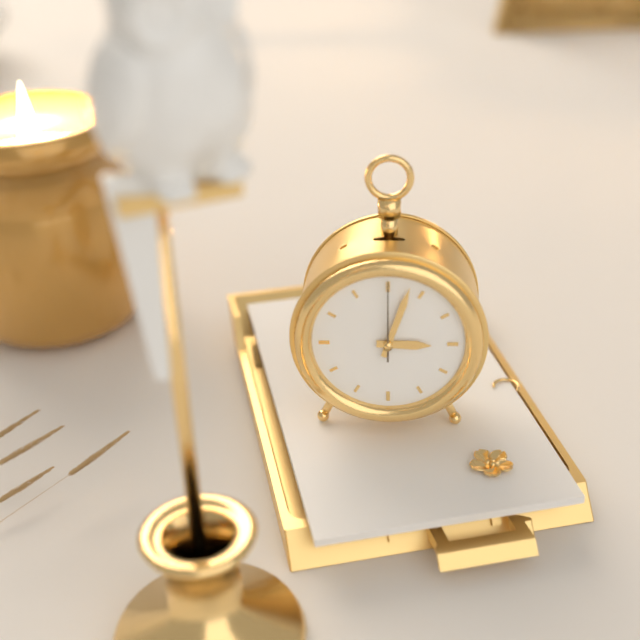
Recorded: 3.03
